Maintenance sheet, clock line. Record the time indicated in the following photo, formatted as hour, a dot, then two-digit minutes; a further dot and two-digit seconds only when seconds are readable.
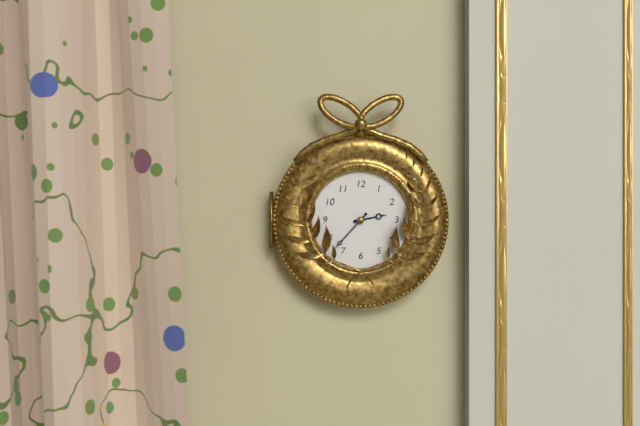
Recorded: 2.37
